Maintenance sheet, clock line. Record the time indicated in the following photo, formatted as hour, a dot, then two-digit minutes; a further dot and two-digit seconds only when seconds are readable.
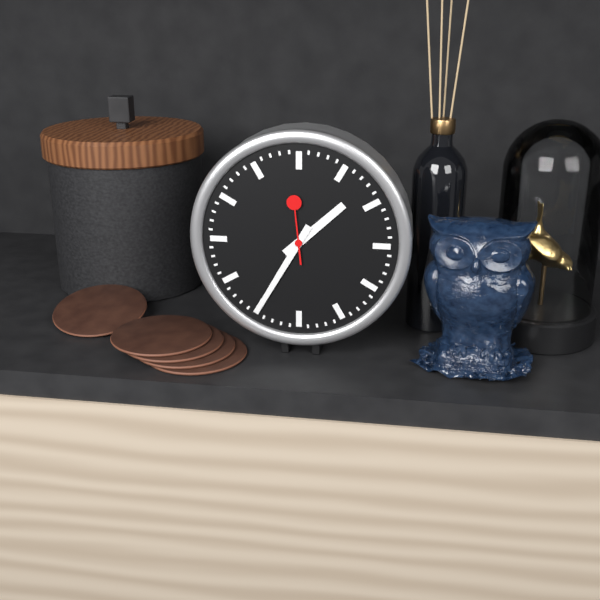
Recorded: 1.35.59
